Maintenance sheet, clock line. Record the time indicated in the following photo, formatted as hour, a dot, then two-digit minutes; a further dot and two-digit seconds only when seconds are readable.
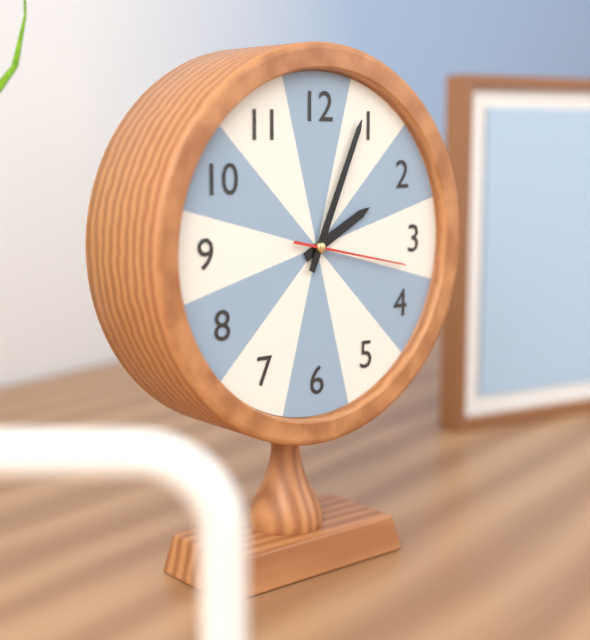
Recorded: 2.04.17
